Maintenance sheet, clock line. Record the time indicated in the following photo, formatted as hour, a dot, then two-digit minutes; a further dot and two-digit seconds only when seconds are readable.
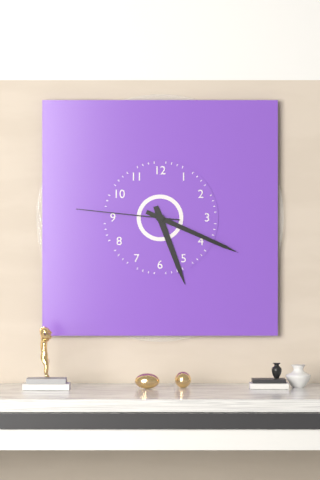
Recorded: 5.19.46
